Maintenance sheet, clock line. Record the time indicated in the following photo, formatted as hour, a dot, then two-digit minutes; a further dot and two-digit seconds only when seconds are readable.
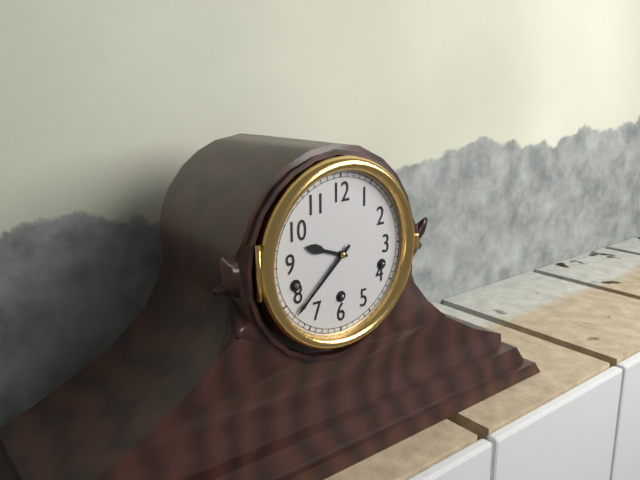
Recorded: 9.38
